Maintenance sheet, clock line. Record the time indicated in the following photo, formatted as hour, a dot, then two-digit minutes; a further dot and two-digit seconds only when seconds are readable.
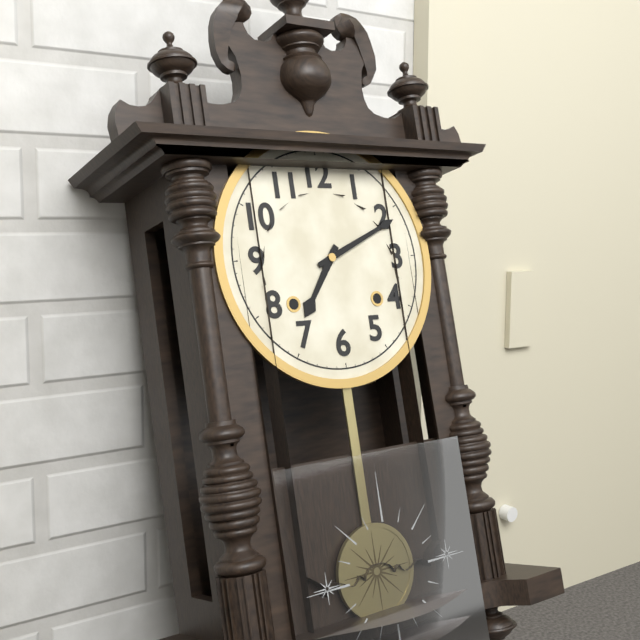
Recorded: 7.11
